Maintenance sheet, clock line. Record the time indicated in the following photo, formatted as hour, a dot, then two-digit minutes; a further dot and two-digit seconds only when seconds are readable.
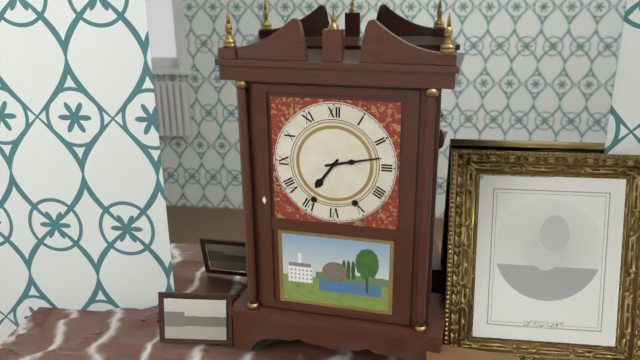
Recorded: 7.13
